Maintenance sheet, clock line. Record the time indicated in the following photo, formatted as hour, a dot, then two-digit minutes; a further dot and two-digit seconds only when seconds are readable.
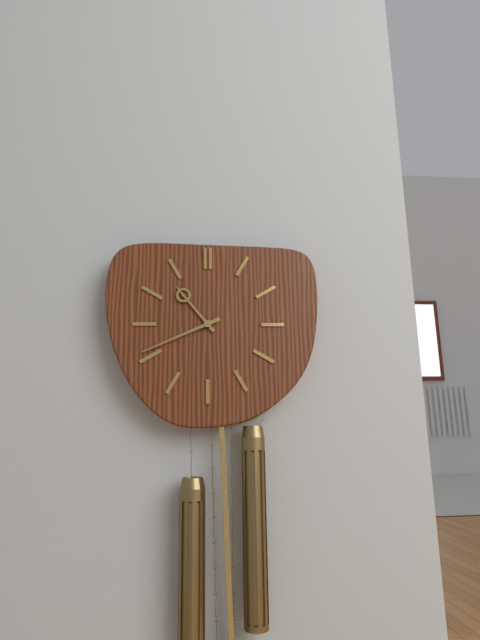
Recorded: 10.41
